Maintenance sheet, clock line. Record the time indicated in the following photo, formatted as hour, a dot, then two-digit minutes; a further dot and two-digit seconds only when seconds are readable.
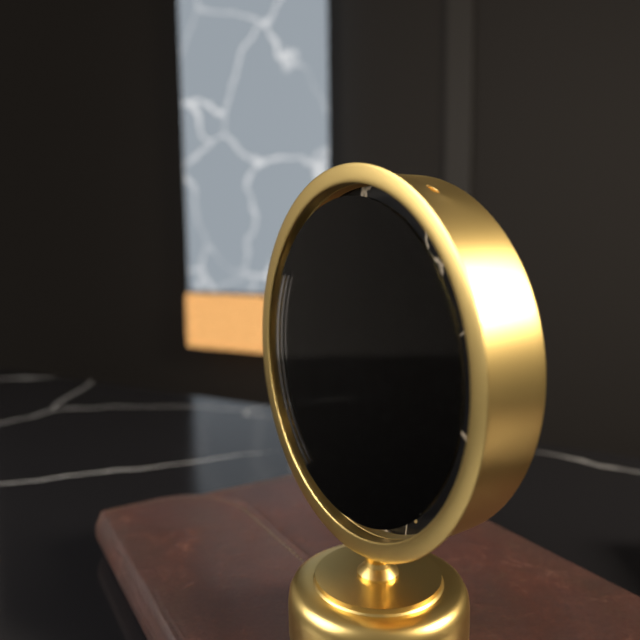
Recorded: 11.03.44
